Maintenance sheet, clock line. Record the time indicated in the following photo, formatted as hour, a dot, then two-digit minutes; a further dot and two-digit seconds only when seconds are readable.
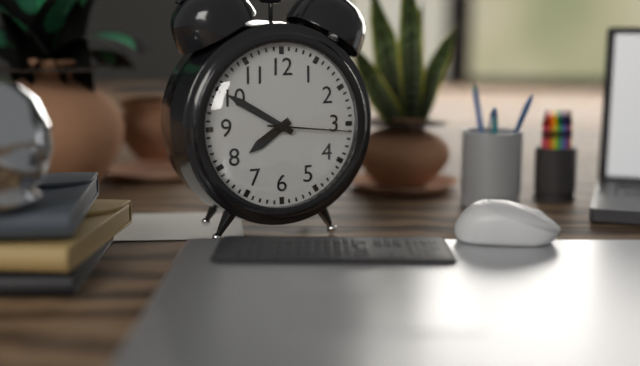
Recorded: 7.50.16
